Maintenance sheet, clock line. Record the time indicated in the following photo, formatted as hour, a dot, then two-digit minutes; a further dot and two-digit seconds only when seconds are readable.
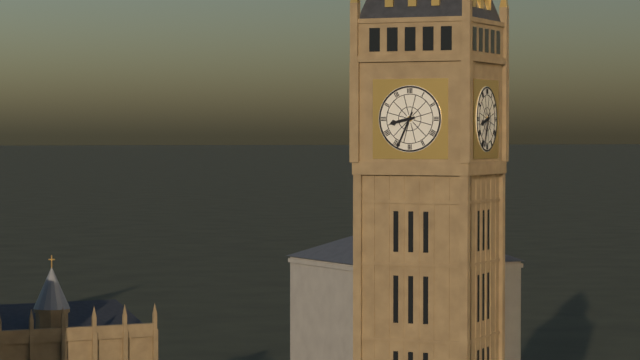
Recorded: 8.34
